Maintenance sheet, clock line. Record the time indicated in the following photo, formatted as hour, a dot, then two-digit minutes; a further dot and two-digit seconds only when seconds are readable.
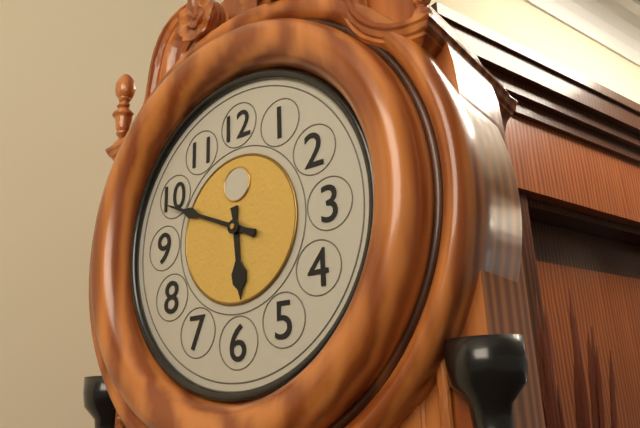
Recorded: 5.49
